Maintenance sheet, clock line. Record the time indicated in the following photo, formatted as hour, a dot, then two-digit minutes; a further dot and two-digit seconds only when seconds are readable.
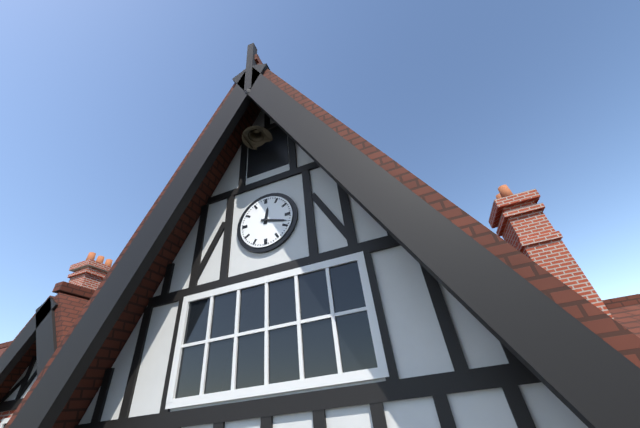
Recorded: 12.18
